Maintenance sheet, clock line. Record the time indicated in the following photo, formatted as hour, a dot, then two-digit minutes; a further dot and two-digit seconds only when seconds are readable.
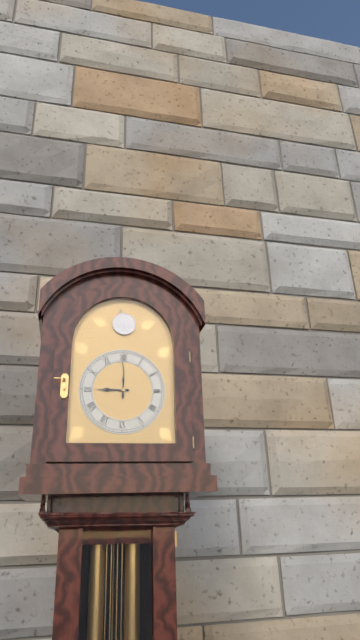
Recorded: 9.00
